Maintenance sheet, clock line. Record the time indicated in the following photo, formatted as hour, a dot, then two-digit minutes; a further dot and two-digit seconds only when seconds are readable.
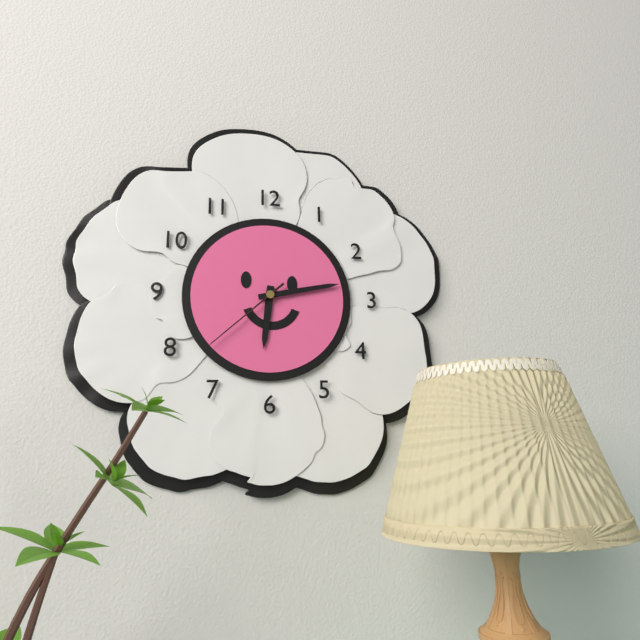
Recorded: 6.13.38
